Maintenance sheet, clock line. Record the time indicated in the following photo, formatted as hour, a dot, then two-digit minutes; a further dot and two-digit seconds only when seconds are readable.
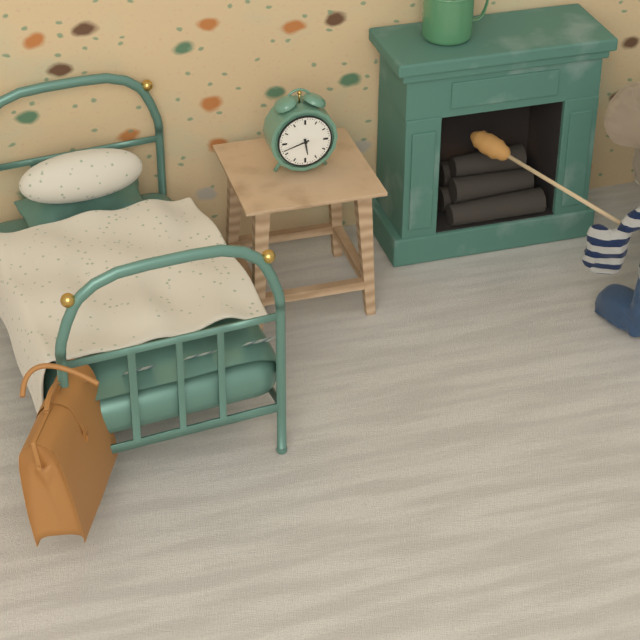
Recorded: 5.42
